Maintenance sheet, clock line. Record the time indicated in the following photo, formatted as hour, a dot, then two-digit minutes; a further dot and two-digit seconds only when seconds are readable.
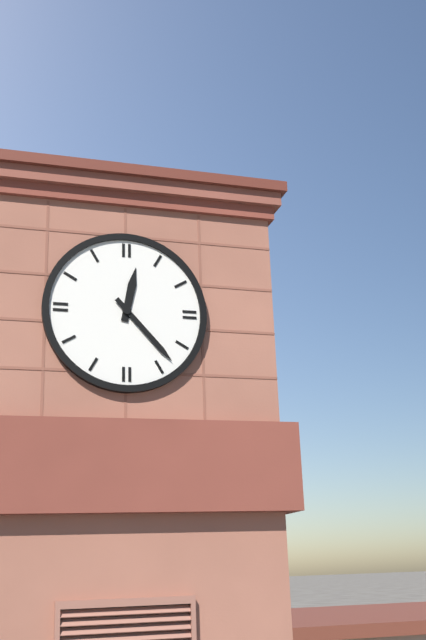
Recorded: 12.23
